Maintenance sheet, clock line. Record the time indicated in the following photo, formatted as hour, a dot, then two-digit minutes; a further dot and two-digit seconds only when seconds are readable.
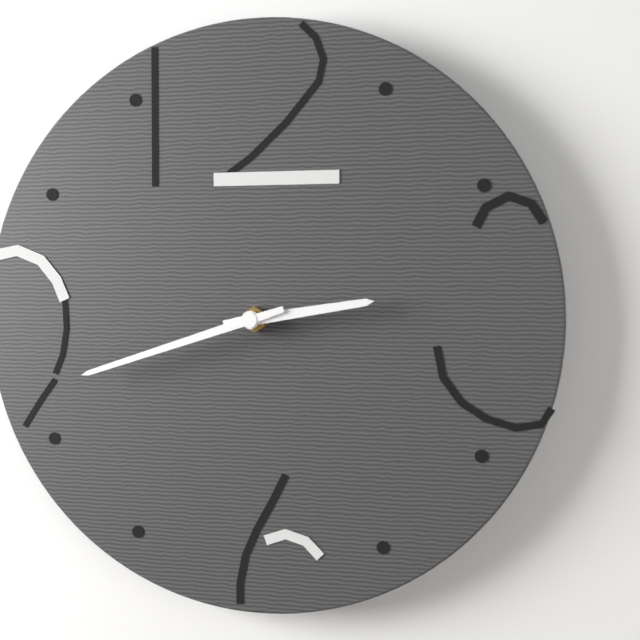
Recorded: 2.42
